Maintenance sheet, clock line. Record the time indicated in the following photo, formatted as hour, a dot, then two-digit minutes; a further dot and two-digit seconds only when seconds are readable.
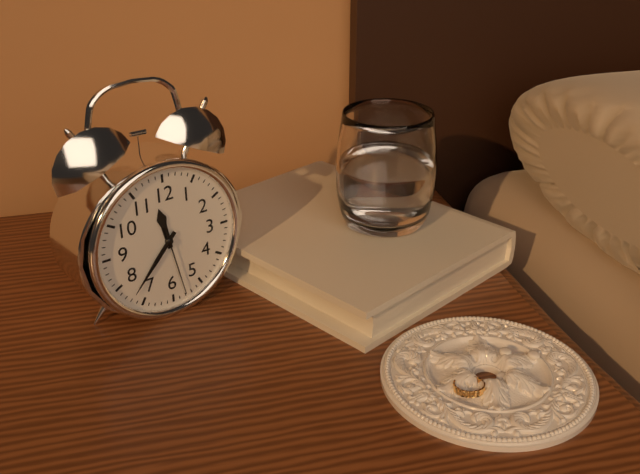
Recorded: 11.37.28
